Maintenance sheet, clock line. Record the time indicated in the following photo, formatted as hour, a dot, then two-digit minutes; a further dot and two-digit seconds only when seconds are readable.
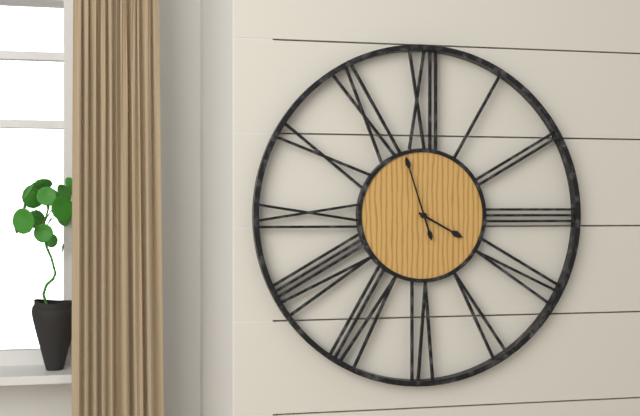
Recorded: 3.57
